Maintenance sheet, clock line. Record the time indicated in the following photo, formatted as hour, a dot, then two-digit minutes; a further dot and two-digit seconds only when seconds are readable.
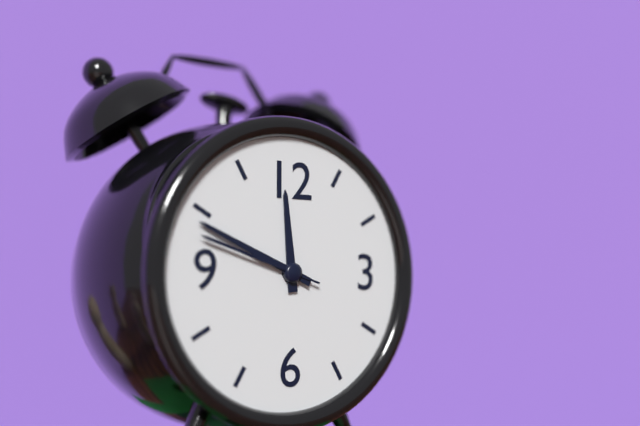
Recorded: 11.49.48
